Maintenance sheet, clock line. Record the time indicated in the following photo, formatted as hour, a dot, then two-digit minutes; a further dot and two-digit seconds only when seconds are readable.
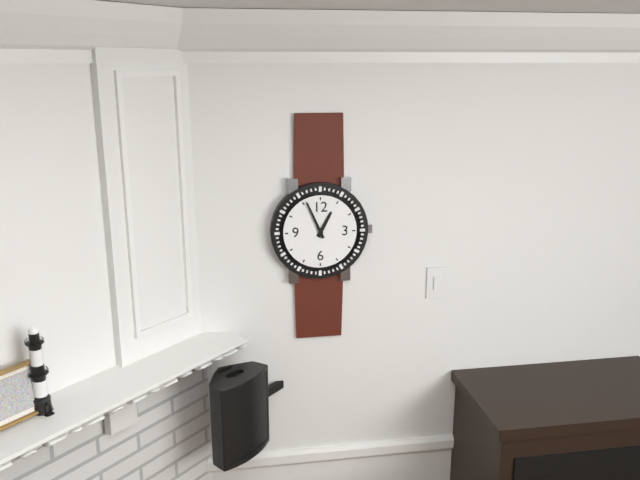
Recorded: 12.56
